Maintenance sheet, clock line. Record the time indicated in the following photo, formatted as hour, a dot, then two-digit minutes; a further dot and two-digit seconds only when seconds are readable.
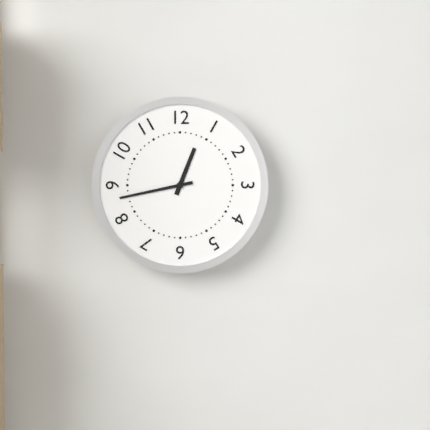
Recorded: 12.43
